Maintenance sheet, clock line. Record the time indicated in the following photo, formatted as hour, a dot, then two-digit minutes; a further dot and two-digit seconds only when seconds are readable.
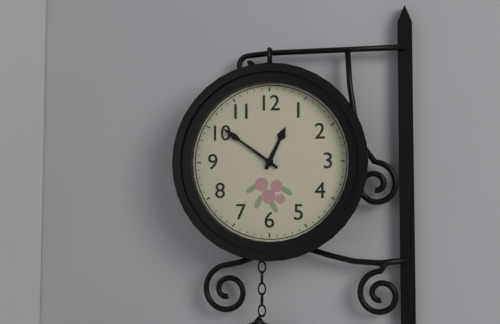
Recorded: 12.51
